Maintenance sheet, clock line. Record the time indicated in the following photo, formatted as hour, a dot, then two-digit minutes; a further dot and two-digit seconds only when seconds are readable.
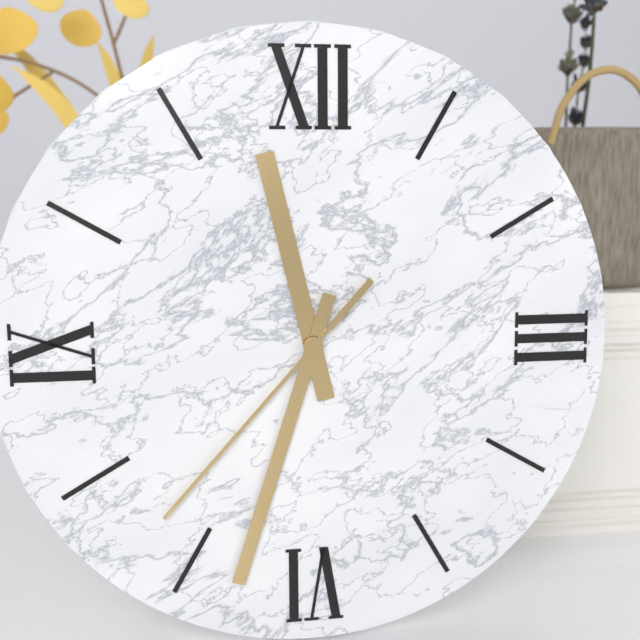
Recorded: 11.33.37
